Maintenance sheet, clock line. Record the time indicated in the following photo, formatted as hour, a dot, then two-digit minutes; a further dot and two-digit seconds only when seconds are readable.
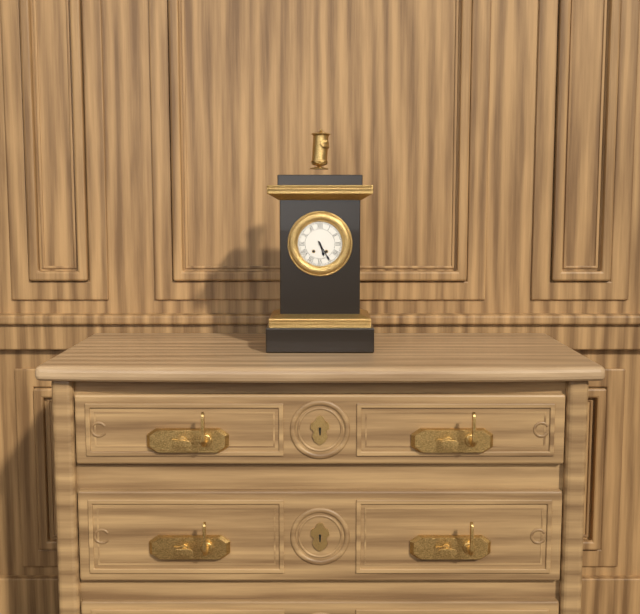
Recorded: 5.25
